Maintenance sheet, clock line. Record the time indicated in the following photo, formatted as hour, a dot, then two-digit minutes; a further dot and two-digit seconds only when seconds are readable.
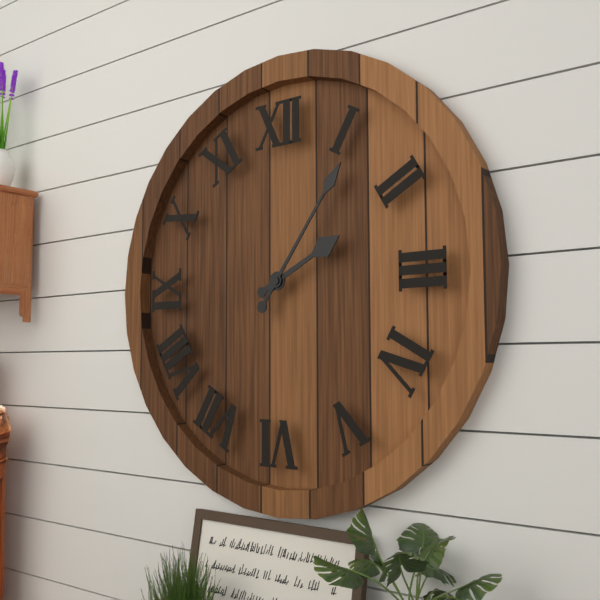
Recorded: 2.06
